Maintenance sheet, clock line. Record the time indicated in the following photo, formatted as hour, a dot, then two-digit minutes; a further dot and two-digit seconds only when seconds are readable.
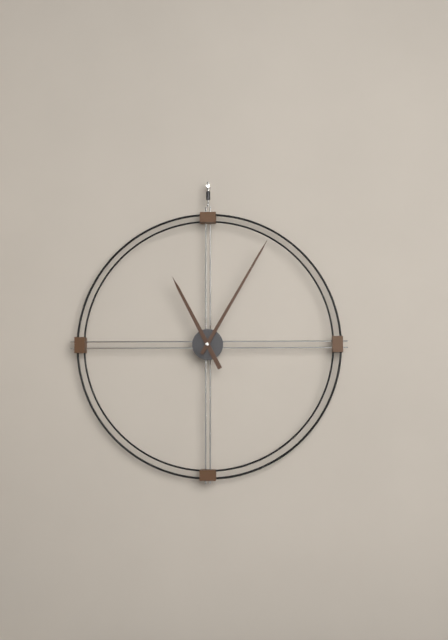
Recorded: 11.05
